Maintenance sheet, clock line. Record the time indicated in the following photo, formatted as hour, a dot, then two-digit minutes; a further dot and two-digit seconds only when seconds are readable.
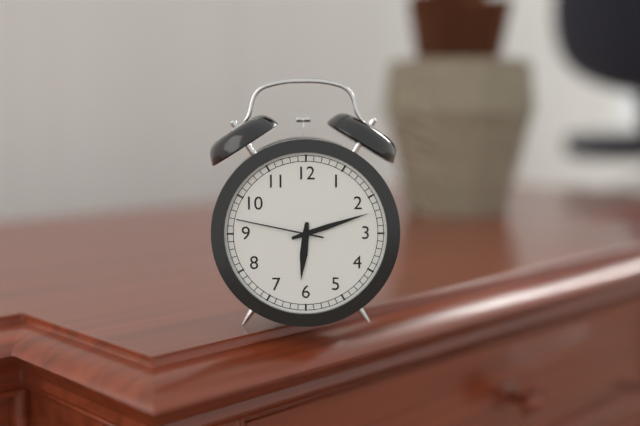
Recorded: 6.12.47
